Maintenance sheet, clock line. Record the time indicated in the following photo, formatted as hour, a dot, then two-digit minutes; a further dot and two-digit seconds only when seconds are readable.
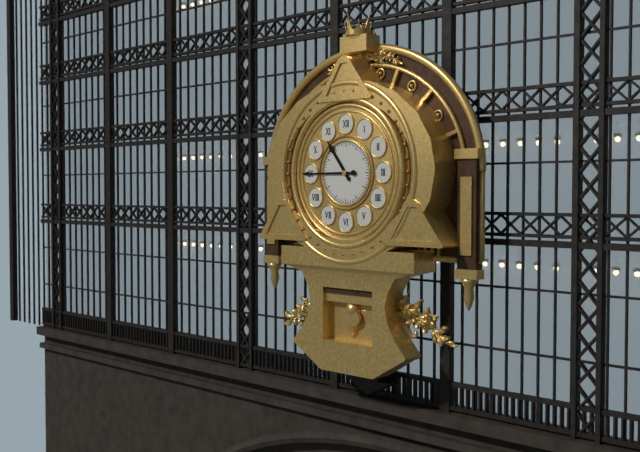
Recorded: 10.45
